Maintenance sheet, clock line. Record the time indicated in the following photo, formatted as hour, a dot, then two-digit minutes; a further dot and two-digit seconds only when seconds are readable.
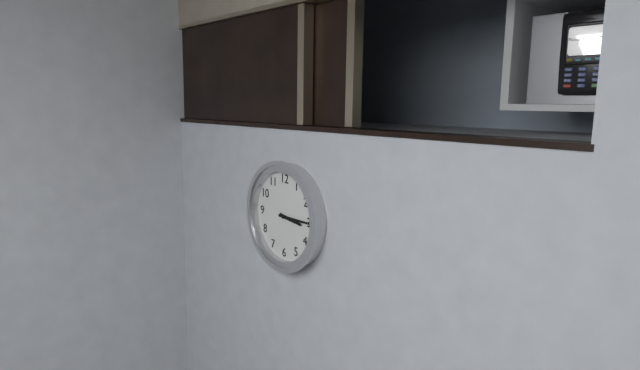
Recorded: 3.15
